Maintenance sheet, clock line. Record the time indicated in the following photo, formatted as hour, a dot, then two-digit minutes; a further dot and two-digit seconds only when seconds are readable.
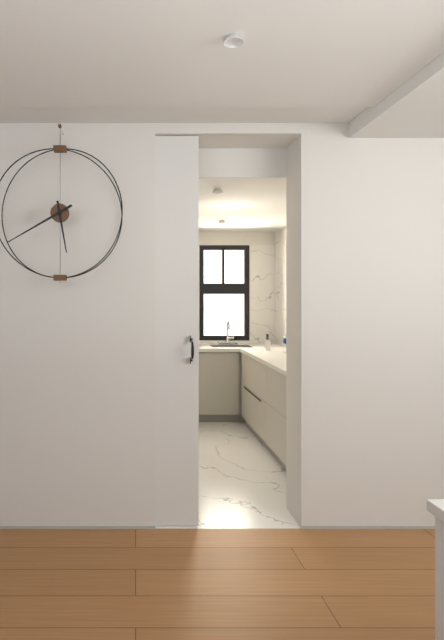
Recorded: 5.40
